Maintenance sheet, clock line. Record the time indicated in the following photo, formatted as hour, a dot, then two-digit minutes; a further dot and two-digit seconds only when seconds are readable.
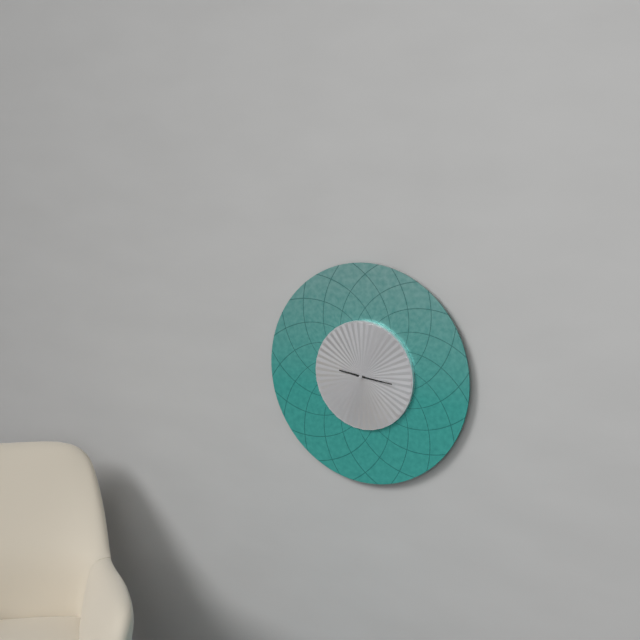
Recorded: 9.16
